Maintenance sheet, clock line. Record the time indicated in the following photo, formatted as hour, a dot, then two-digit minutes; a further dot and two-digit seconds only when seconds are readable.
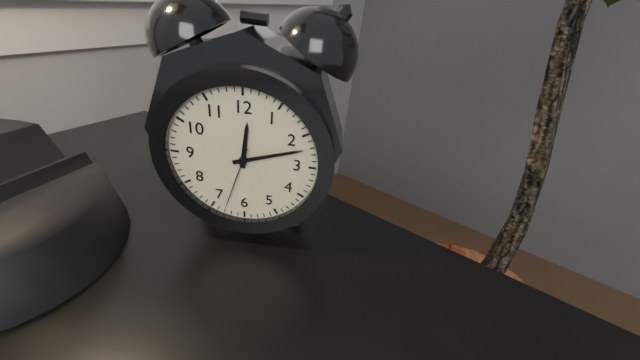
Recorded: 12.12.33
